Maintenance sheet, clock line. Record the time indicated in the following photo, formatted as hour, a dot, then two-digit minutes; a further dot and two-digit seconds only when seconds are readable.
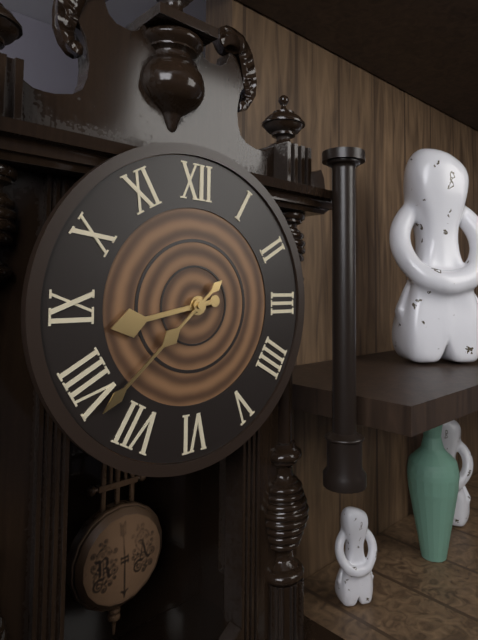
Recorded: 8.38
